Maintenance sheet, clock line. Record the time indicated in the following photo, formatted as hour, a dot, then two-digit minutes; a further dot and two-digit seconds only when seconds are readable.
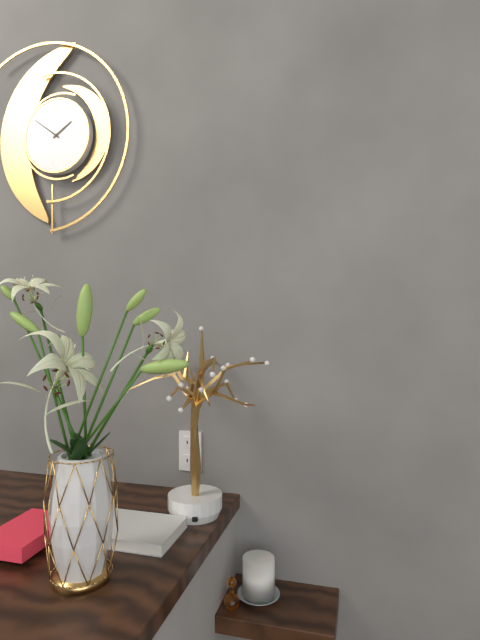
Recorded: 1.51
